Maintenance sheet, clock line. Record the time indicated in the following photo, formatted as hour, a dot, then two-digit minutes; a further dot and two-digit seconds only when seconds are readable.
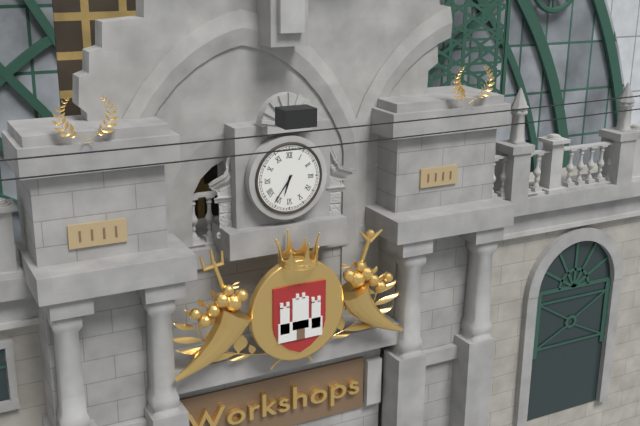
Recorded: 6.36
